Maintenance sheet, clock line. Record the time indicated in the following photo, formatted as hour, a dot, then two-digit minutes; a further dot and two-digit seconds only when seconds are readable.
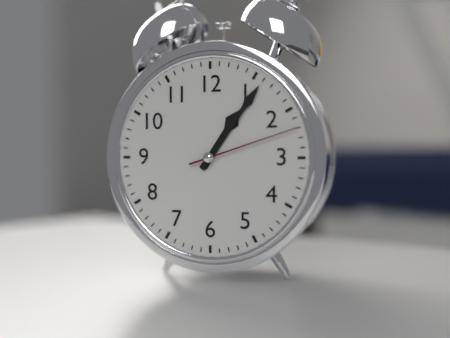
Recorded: 1.06.12
